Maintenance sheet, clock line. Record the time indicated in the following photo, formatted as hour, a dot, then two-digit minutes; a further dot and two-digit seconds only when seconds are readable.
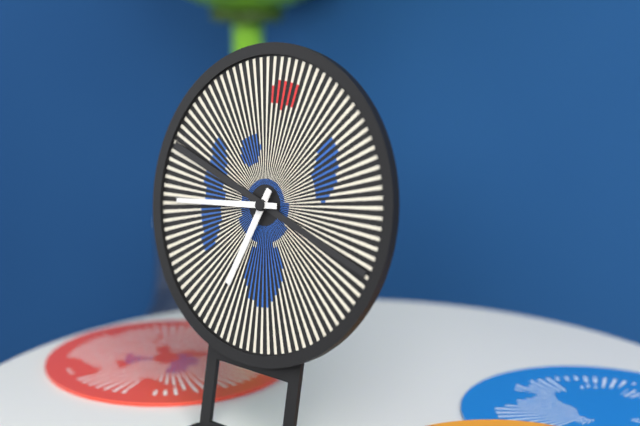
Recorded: 6.44.18
